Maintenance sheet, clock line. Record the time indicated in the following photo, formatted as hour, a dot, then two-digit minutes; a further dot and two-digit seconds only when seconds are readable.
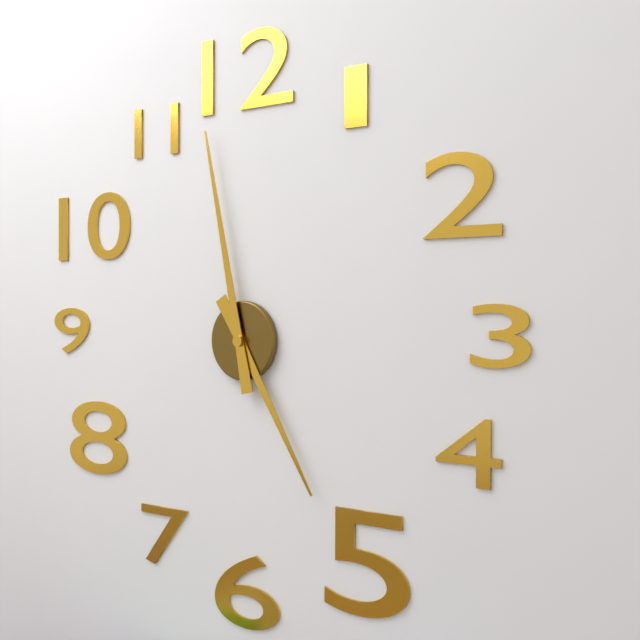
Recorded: 4.58
